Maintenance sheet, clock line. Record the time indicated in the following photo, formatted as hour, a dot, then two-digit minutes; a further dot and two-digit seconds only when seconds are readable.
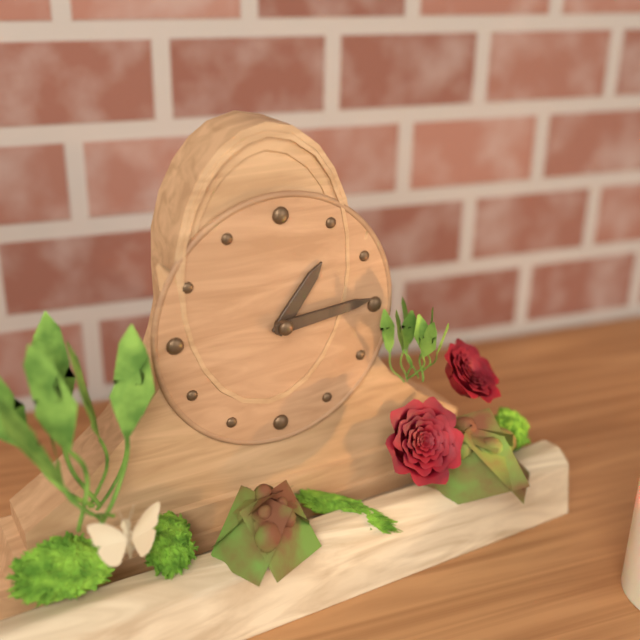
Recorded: 1.14
